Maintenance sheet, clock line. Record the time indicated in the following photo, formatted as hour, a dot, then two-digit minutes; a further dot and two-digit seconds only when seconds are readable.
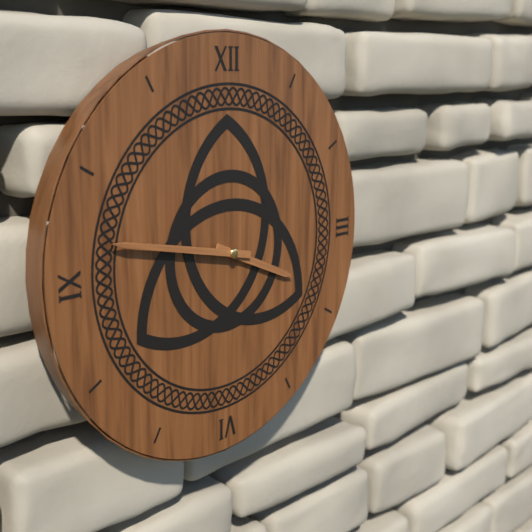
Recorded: 3.47
